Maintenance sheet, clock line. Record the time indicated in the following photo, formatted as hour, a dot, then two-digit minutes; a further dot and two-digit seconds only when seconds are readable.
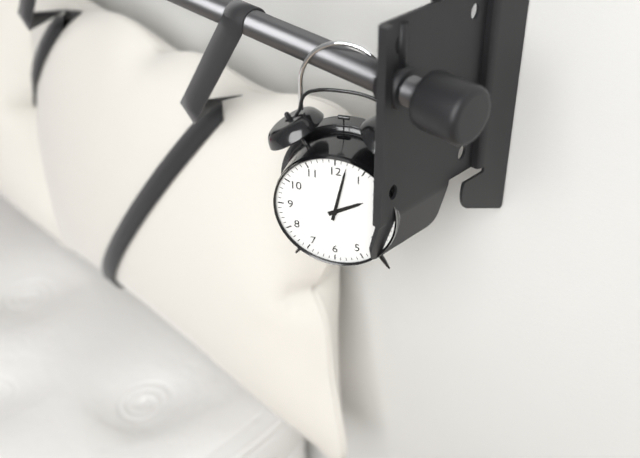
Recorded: 2.02
